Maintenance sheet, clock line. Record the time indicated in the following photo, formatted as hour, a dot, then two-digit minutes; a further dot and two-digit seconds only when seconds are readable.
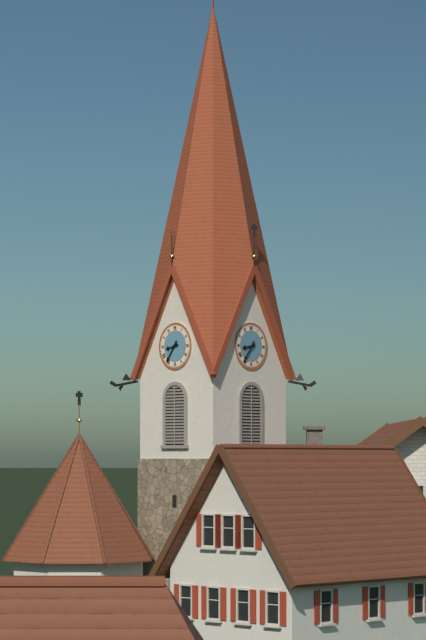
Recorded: 8.36
